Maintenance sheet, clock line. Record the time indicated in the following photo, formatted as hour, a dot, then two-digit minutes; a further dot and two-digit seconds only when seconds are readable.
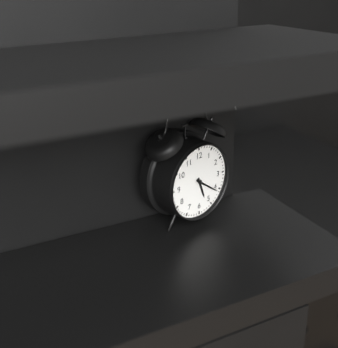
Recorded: 5.21
